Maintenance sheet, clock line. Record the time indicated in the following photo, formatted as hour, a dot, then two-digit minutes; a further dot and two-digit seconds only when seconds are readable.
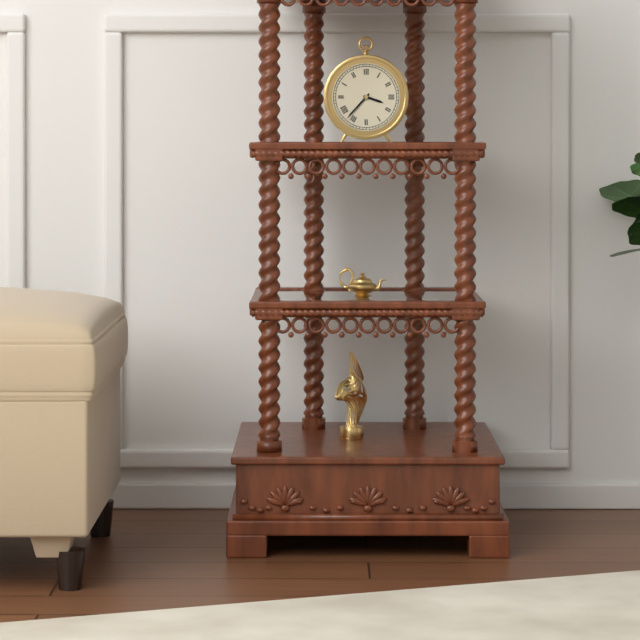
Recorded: 3.37
